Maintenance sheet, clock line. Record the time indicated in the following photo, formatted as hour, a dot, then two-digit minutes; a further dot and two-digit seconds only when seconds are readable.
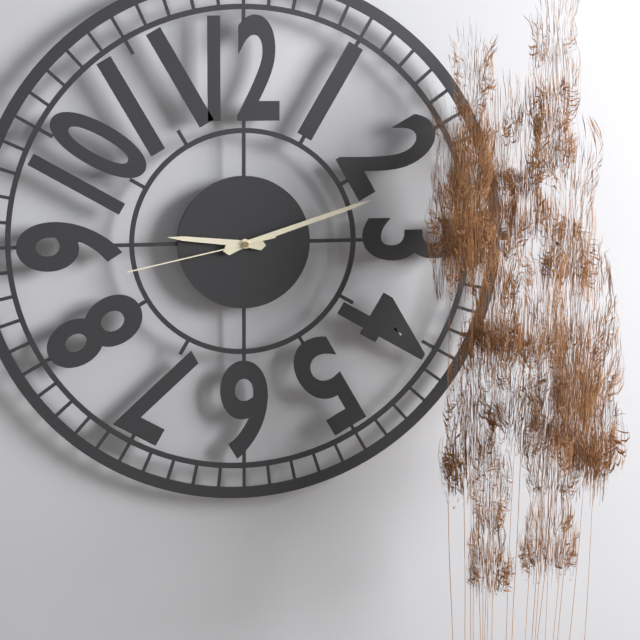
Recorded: 9.12.43
